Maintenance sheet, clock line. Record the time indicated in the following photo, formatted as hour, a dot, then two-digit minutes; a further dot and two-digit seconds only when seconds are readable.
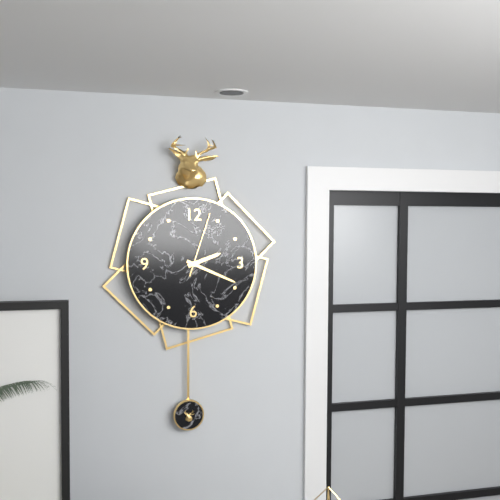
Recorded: 2.19.03
